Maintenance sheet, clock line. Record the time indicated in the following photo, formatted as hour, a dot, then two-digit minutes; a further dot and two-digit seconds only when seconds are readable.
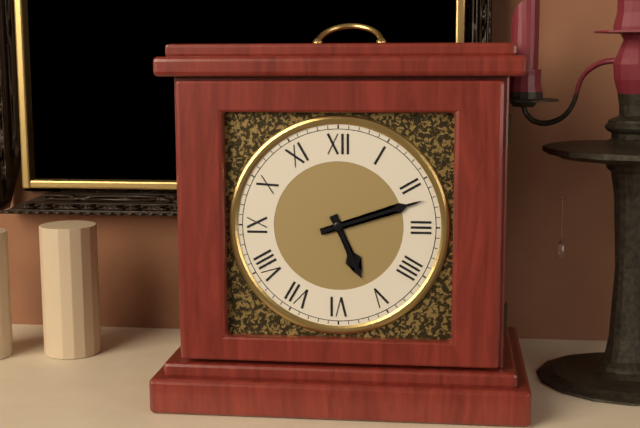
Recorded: 5.12
